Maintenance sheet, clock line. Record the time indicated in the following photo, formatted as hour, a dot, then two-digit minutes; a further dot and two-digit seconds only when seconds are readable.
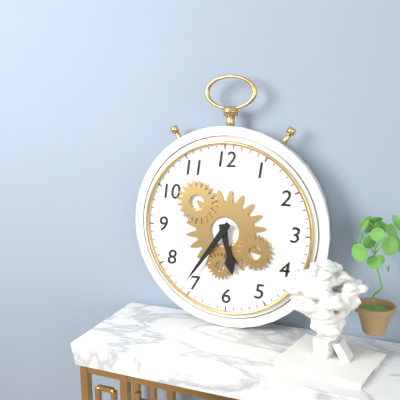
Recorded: 5.36
